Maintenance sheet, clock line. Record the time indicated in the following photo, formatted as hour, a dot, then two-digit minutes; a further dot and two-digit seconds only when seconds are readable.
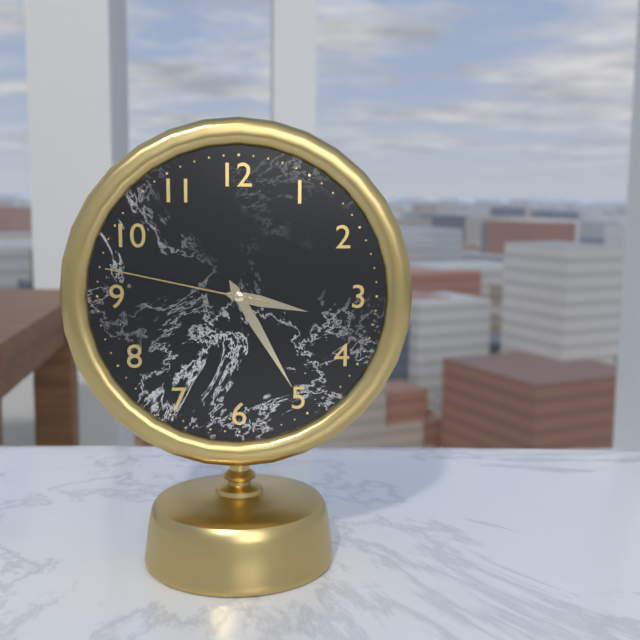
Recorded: 3.25.47
